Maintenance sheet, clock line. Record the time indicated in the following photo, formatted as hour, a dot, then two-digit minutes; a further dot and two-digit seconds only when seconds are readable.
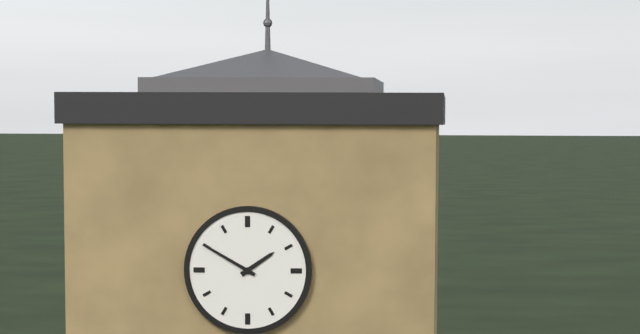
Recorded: 1.50
